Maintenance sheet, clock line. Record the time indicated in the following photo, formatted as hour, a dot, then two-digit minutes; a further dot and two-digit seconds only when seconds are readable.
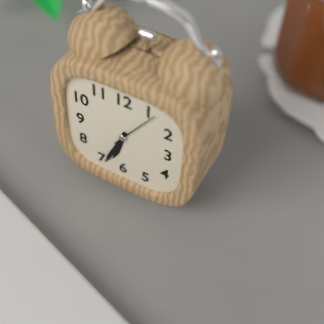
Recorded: 6.34
